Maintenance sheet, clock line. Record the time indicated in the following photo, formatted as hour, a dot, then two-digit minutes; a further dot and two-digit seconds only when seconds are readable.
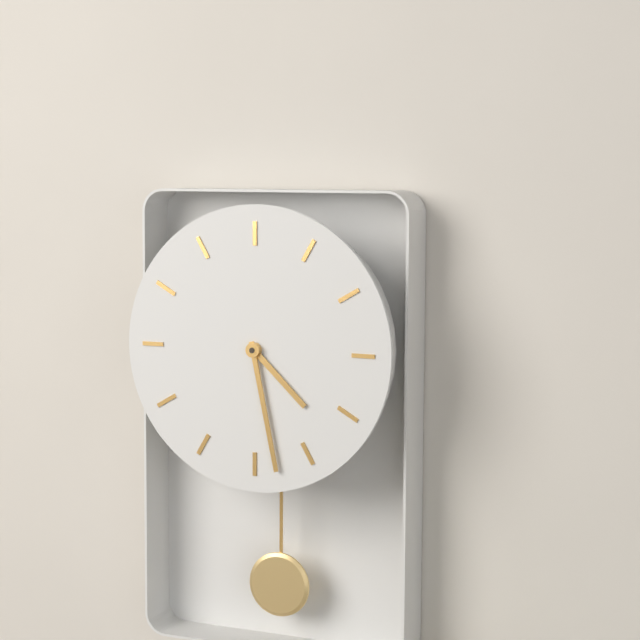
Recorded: 4.28
